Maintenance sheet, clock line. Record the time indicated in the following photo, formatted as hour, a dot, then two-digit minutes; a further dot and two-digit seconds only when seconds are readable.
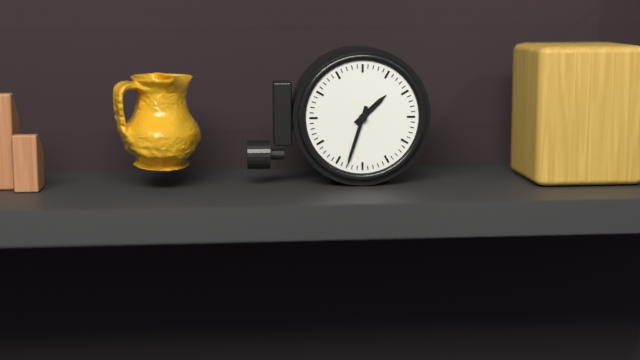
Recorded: 1.33
